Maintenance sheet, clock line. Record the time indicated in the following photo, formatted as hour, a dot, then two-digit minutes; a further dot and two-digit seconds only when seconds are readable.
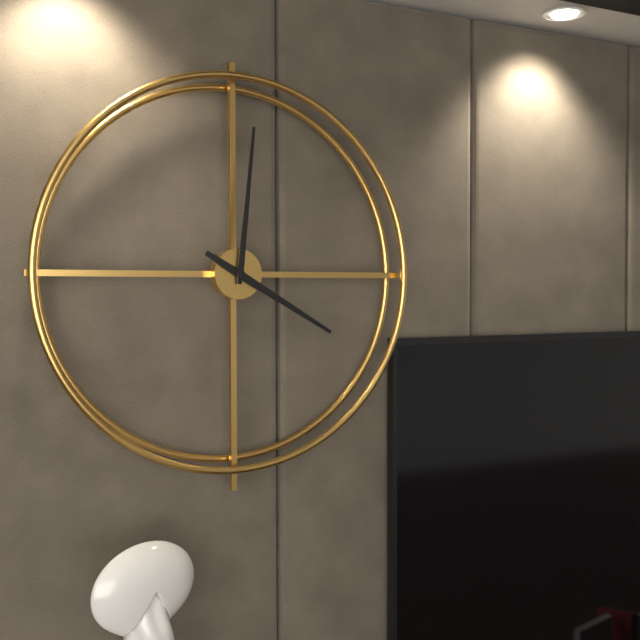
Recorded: 4.01
